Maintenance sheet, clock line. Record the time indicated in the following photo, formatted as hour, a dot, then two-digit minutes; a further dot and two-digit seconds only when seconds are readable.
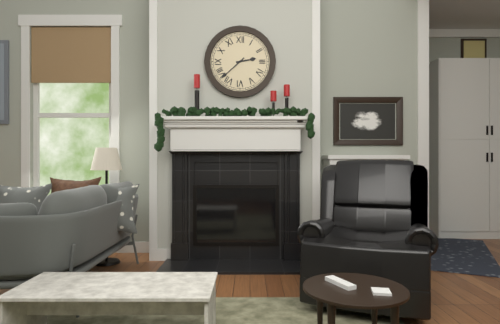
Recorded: 2.38
